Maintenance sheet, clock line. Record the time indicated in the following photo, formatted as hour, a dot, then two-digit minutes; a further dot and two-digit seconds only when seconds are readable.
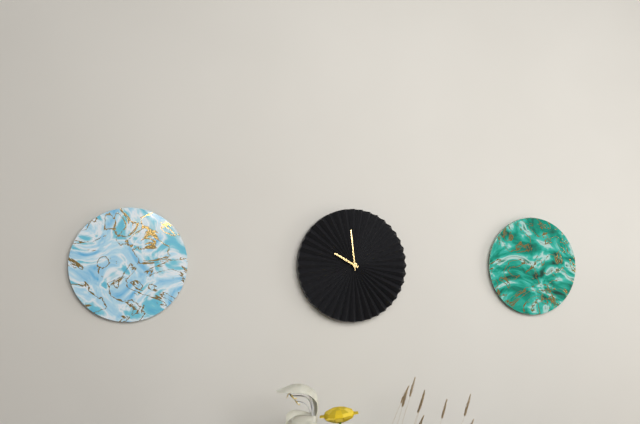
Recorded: 9.59
